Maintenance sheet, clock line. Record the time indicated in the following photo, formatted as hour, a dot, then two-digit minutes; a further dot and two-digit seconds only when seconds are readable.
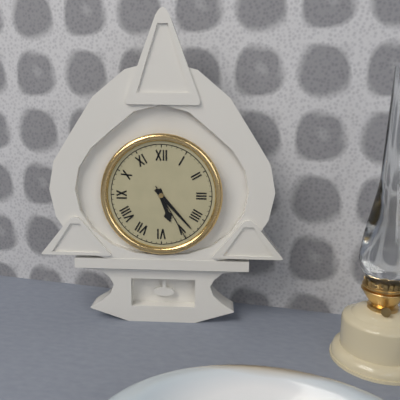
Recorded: 5.23.25
